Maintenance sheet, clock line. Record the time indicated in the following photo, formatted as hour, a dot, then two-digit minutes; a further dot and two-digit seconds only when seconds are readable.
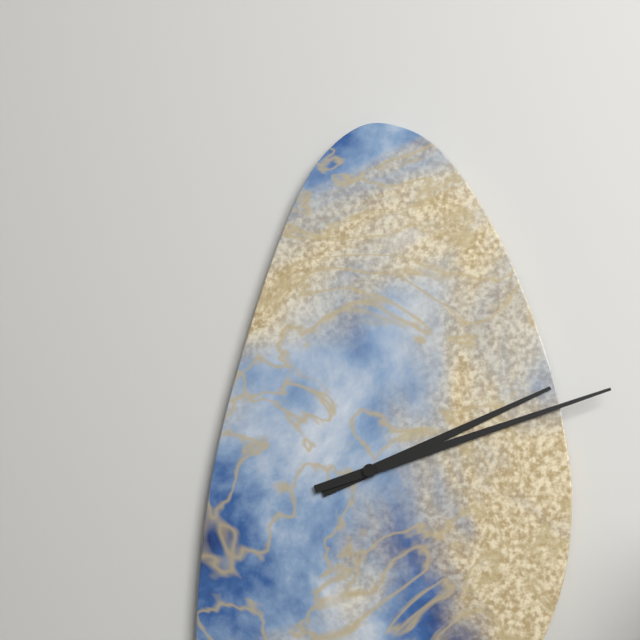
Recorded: 2.12
